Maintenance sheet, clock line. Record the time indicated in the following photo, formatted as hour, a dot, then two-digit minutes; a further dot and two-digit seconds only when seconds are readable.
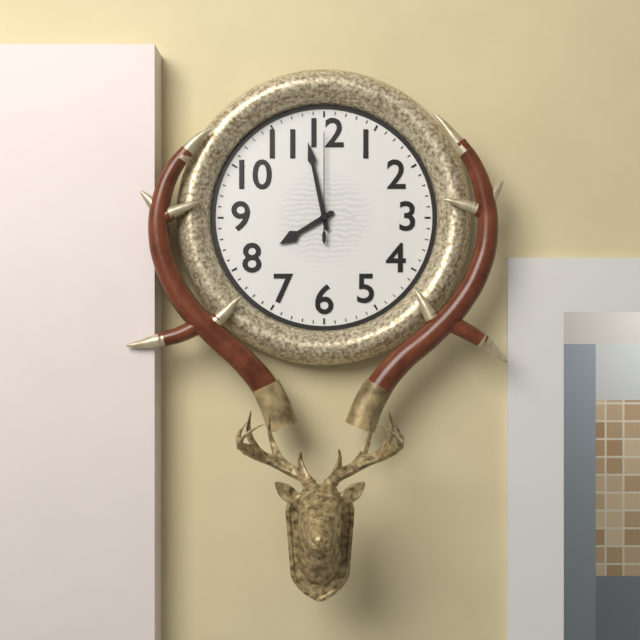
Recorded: 7.58.00
